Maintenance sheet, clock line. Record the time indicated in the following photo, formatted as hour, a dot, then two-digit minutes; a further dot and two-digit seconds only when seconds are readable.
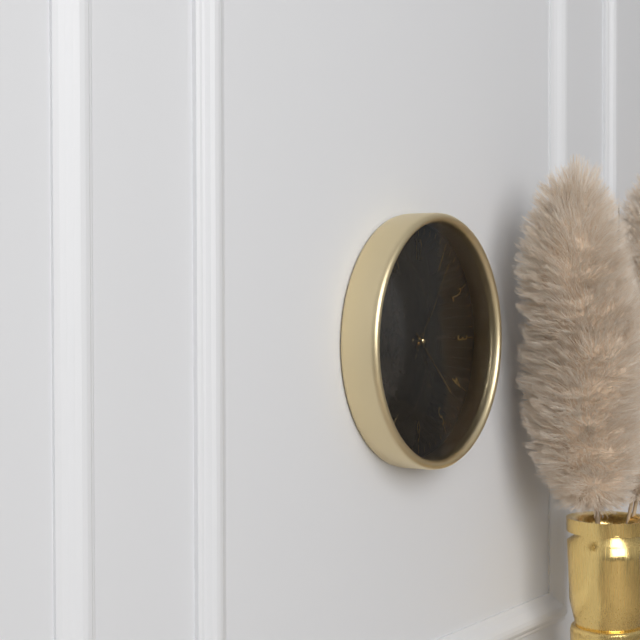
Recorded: 1.22.06
